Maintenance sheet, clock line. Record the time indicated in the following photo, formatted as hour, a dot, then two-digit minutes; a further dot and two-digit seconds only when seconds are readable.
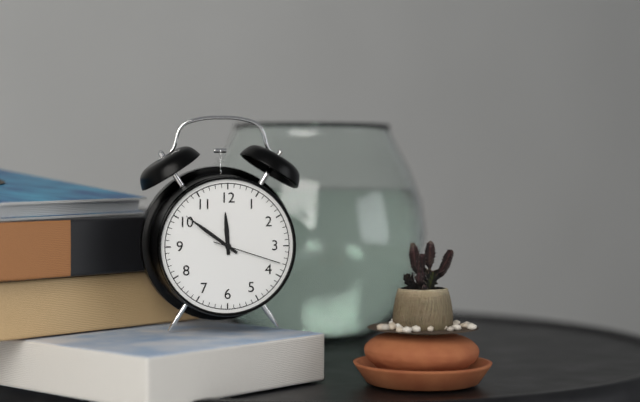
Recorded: 11.51.18
